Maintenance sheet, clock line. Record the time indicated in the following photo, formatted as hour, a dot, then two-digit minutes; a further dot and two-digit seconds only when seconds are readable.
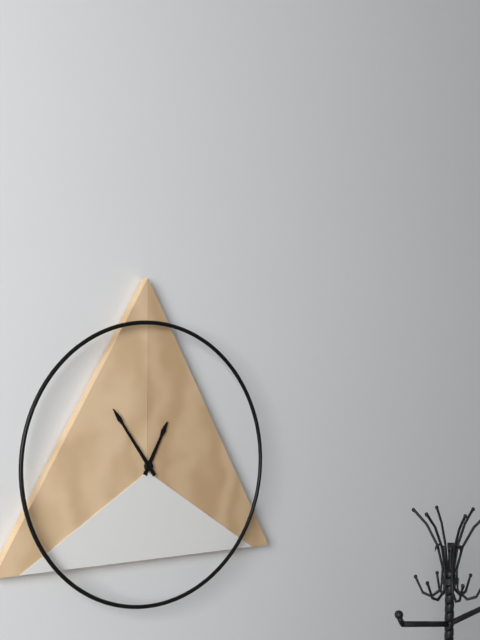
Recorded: 12.54
